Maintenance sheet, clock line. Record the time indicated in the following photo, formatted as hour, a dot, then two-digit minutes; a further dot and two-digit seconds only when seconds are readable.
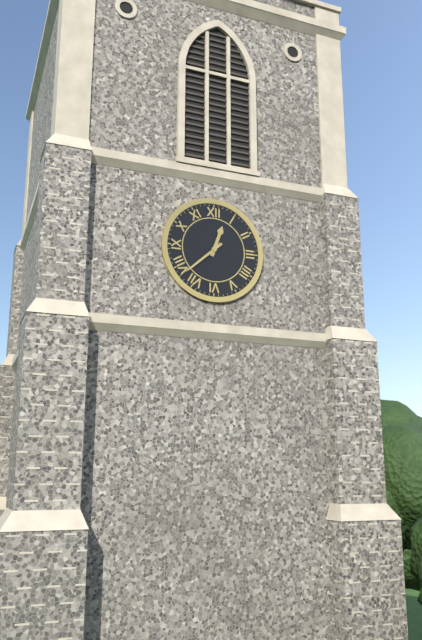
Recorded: 12.38
